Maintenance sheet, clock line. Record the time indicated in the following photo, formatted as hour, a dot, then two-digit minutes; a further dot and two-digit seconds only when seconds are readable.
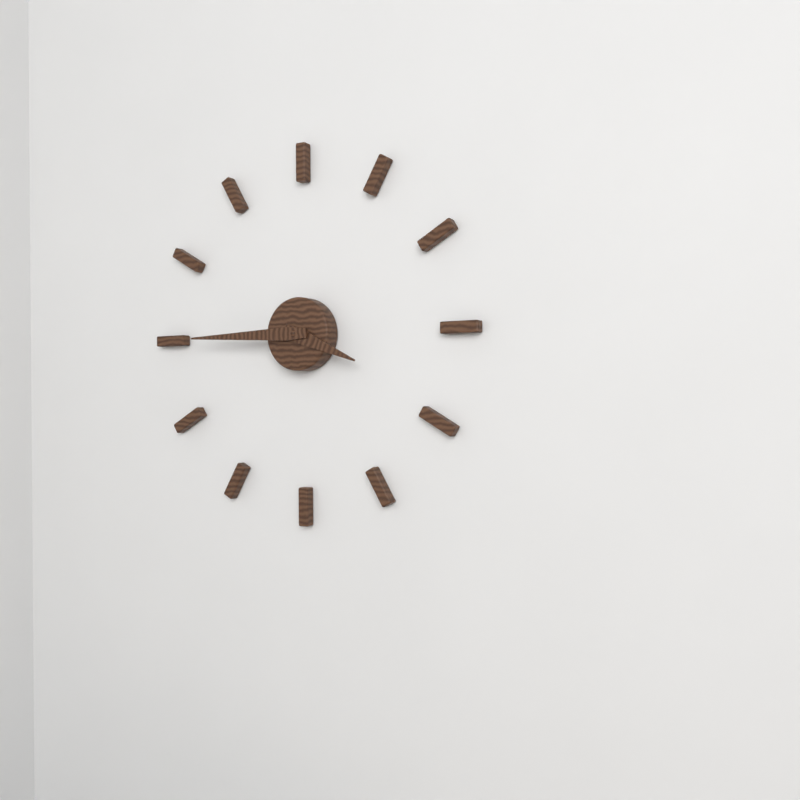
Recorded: 3.45
